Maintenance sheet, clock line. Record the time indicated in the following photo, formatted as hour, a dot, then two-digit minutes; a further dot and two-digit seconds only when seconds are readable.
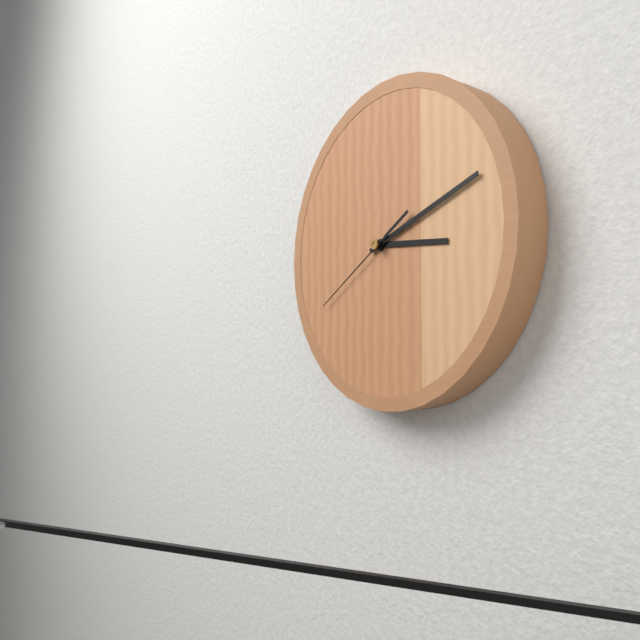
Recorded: 3.12.40
